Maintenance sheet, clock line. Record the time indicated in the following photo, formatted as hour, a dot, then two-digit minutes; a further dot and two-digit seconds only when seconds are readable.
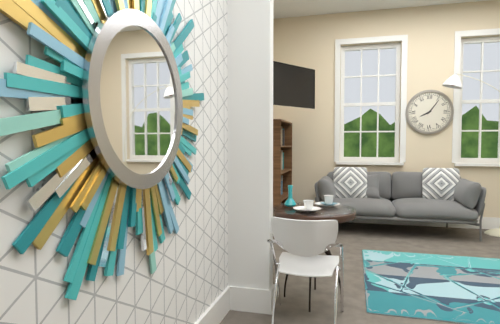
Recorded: 8.06
